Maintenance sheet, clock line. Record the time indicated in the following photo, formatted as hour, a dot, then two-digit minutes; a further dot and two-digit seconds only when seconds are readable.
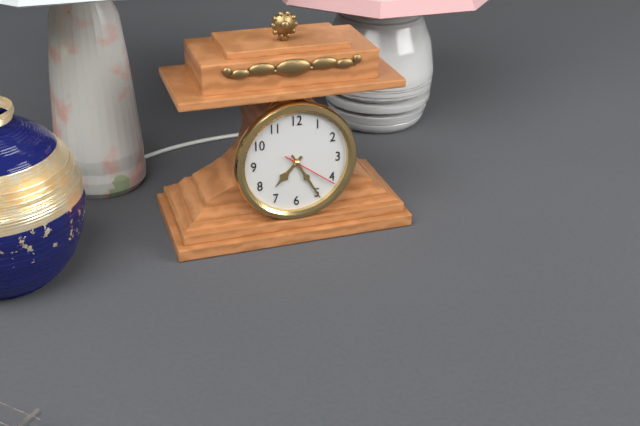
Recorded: 7.25.21
